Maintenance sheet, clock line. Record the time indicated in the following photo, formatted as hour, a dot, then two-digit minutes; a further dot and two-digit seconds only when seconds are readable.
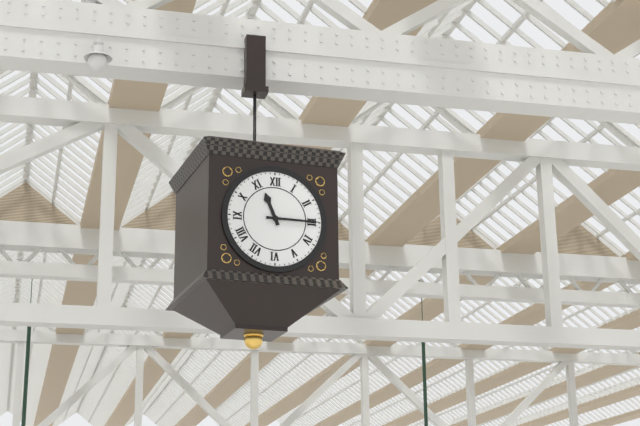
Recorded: 11.15
